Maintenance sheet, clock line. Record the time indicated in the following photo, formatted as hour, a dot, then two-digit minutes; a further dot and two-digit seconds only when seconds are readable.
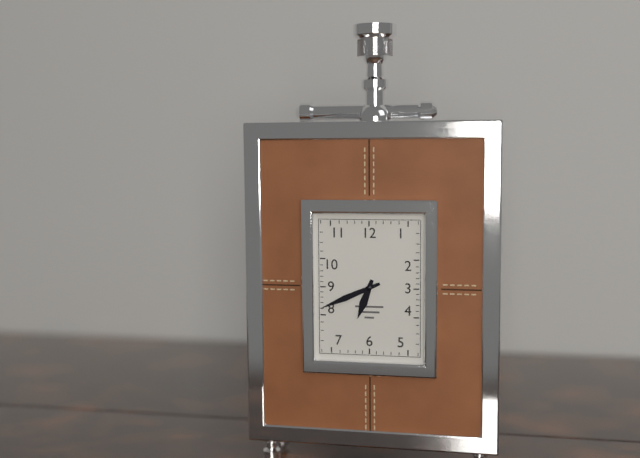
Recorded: 6.41
